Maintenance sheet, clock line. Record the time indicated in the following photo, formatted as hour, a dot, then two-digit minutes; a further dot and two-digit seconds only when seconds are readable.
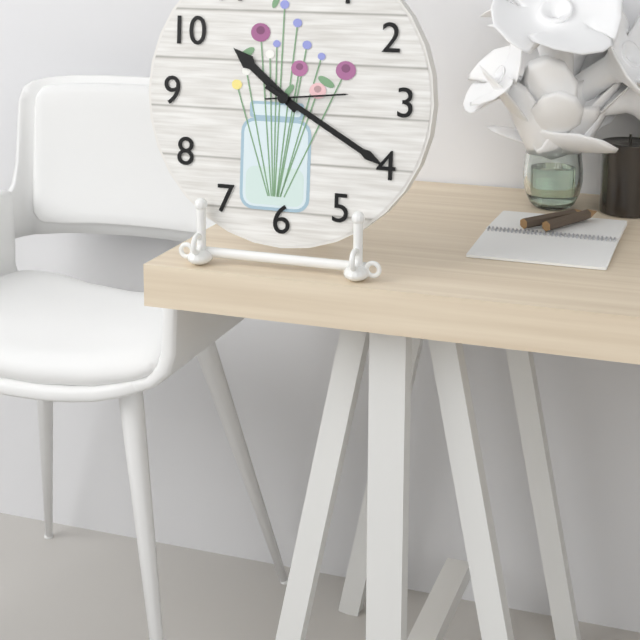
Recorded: 10.20.14
